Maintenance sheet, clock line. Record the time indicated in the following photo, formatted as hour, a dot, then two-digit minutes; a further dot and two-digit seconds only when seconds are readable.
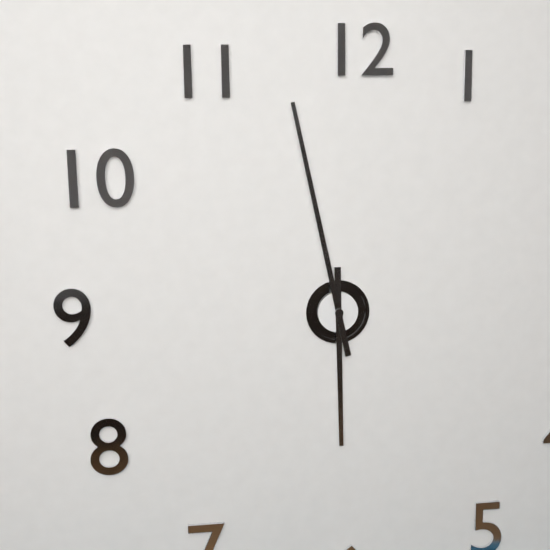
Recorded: 5.58
